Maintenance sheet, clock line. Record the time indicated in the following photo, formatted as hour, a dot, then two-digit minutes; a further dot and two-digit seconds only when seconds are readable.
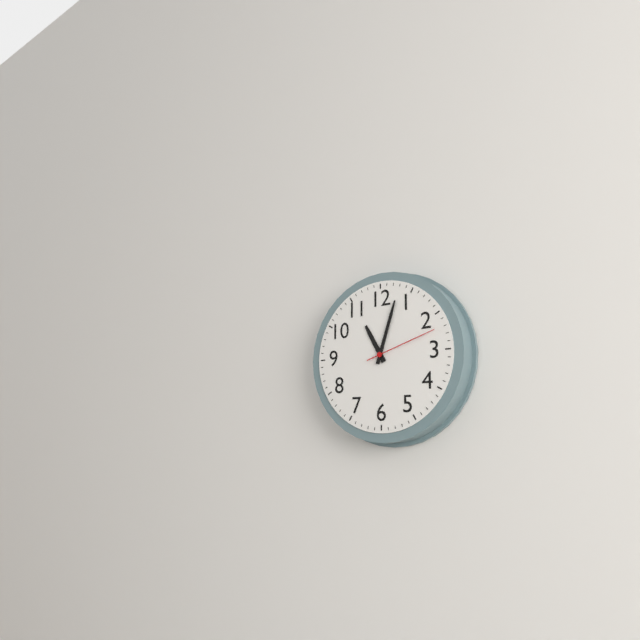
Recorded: 11.03.12
